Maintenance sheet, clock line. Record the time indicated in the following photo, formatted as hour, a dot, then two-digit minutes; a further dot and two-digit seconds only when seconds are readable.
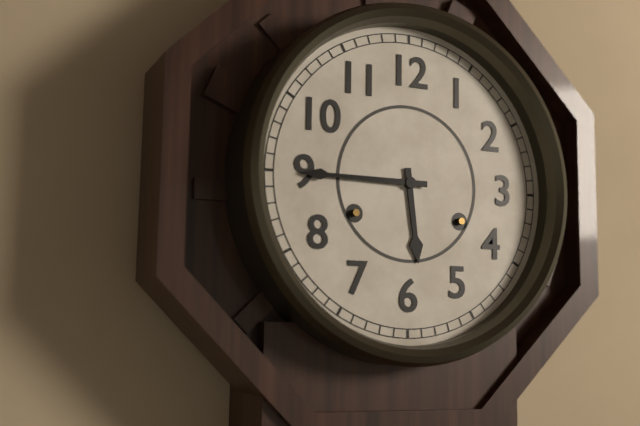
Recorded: 5.45
